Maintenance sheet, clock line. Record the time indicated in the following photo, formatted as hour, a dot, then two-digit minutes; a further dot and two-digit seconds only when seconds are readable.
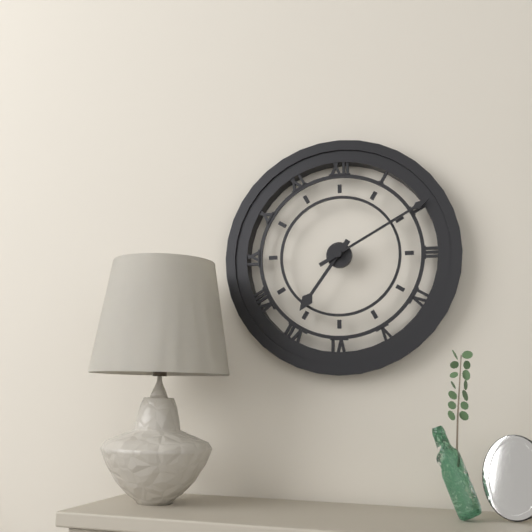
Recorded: 7.10
